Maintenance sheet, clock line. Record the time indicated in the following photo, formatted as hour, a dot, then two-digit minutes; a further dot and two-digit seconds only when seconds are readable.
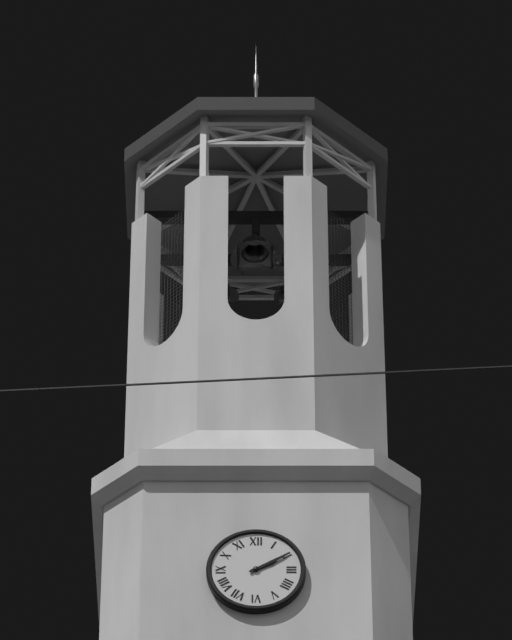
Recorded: 2.10
